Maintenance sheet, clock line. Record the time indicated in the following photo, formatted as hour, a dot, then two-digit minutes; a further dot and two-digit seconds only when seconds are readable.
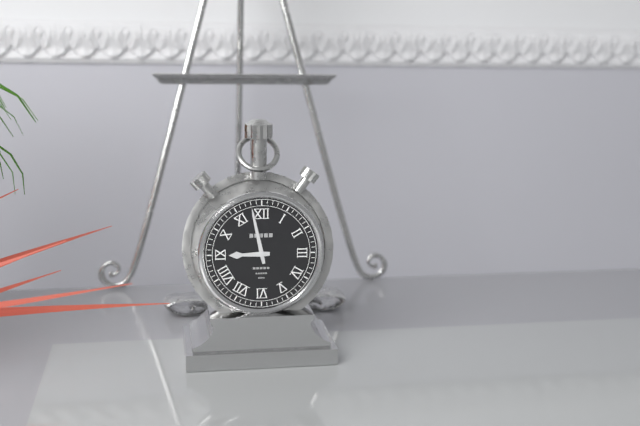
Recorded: 8.58
